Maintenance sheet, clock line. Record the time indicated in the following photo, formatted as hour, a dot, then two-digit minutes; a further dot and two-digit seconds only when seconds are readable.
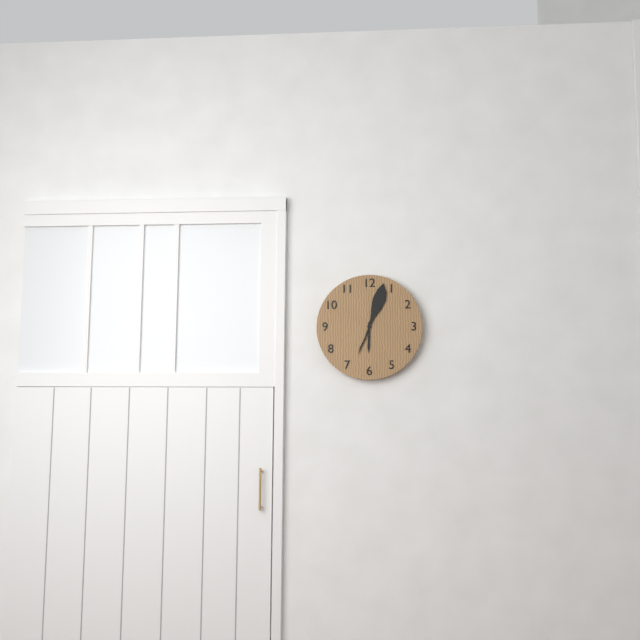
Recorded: 6.03
